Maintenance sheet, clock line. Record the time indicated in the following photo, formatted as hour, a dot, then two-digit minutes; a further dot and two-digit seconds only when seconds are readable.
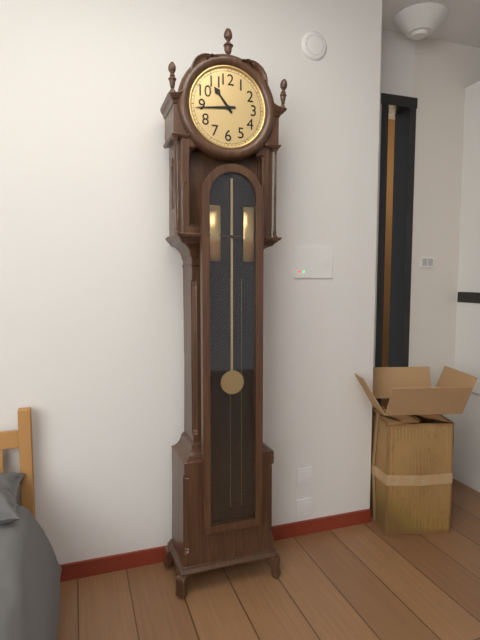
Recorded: 10.44
